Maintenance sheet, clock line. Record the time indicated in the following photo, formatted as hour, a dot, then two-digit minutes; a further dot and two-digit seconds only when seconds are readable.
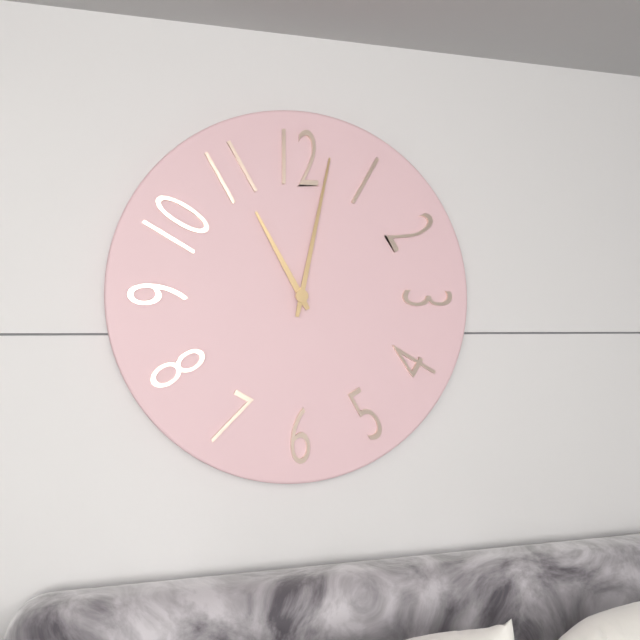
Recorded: 11.02
